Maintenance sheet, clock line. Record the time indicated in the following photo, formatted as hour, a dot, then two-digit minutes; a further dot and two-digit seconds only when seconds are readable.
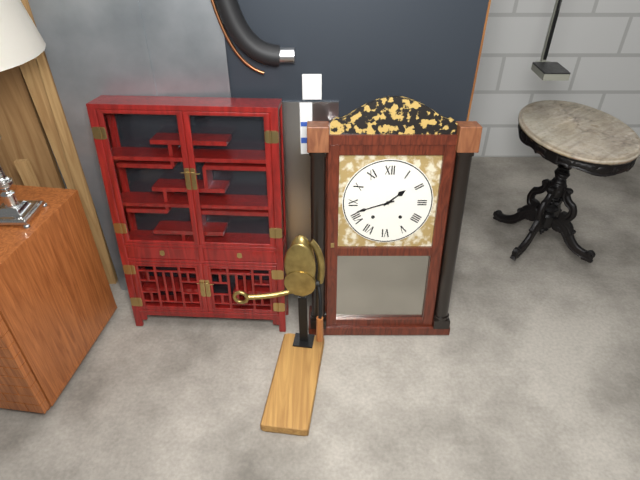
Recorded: 1.42
